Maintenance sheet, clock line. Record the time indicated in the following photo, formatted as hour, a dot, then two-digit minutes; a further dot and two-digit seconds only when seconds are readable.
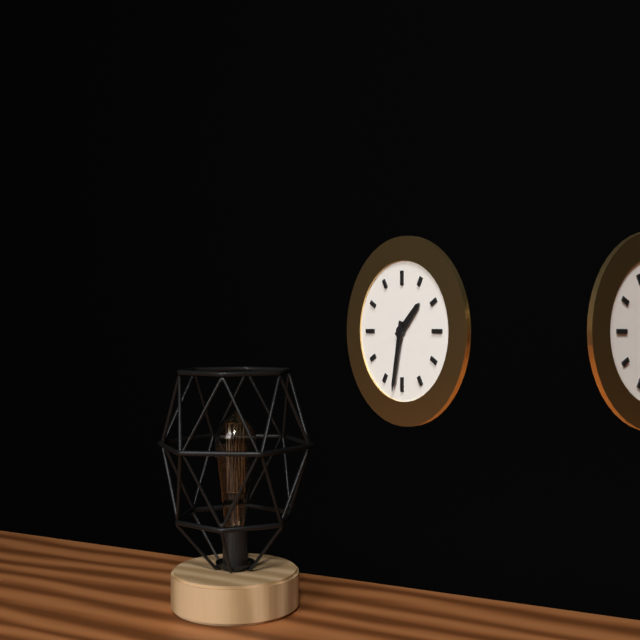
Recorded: 1.32
